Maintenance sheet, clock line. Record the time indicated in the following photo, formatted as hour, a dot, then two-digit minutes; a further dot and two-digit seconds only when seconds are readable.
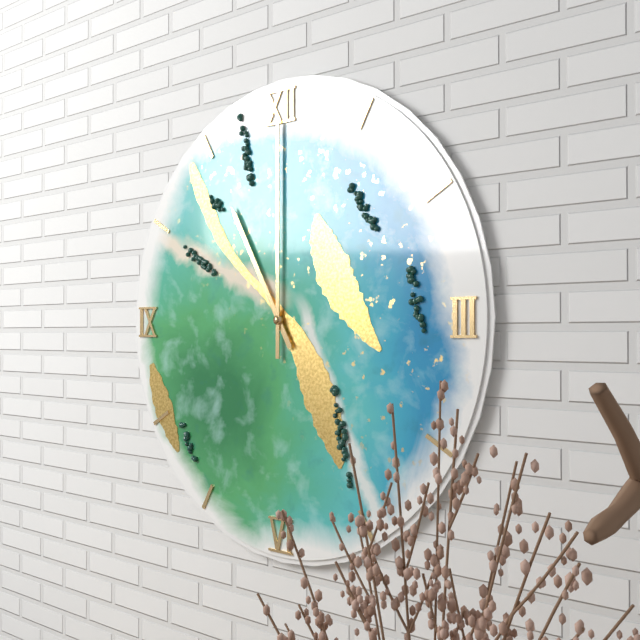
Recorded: 11.00
